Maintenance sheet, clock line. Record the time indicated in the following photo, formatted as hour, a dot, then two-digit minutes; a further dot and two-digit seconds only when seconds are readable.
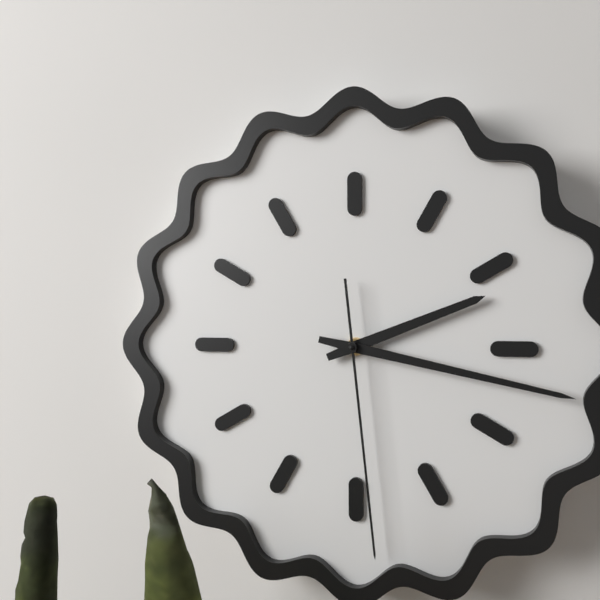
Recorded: 2.17.29
